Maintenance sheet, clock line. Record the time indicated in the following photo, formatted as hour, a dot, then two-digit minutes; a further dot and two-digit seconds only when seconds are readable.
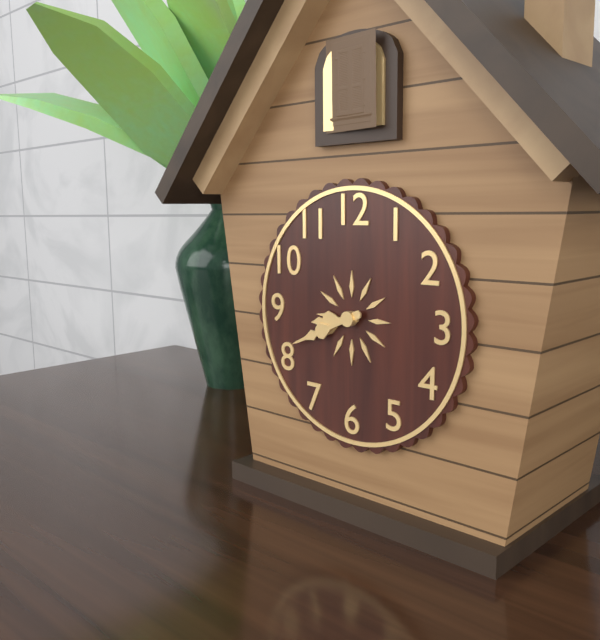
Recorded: 8.41
